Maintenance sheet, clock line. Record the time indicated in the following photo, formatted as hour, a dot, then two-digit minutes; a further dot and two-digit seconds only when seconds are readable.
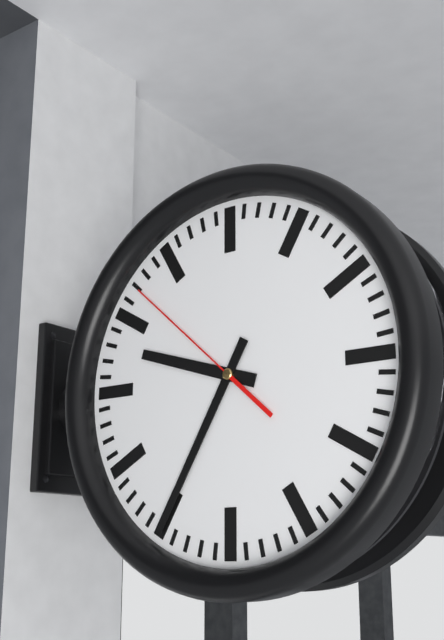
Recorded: 9.35.52
